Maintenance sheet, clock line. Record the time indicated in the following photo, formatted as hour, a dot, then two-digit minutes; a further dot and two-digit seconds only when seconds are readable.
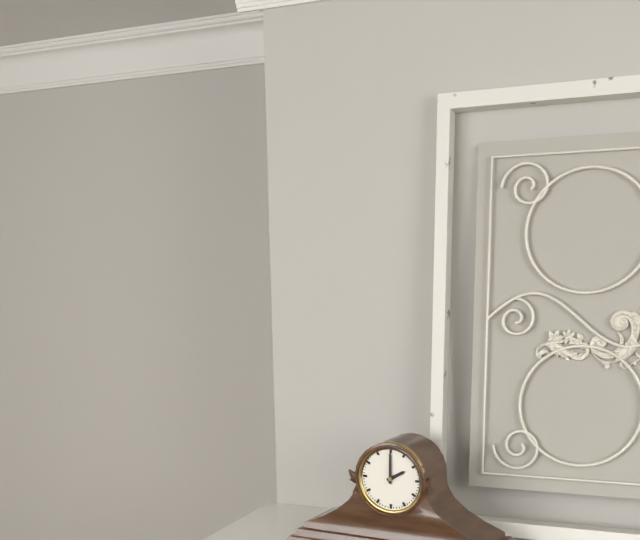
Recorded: 2.00
